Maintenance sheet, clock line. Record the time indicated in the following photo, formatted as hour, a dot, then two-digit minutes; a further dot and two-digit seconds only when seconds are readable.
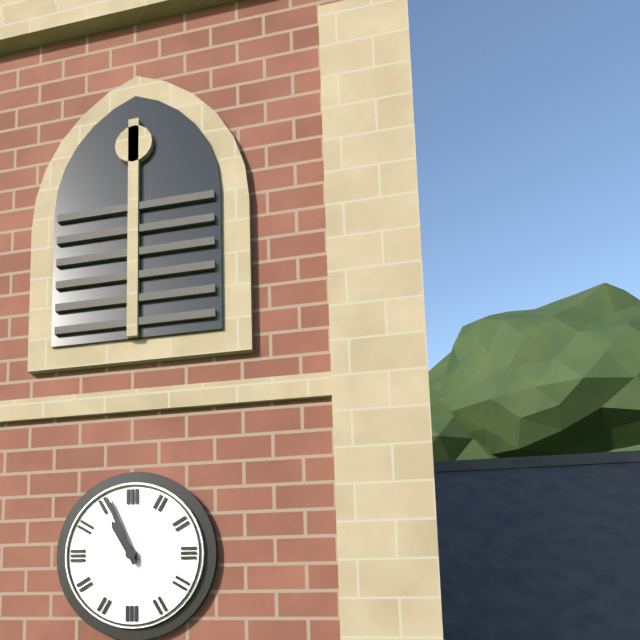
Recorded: 10.56
